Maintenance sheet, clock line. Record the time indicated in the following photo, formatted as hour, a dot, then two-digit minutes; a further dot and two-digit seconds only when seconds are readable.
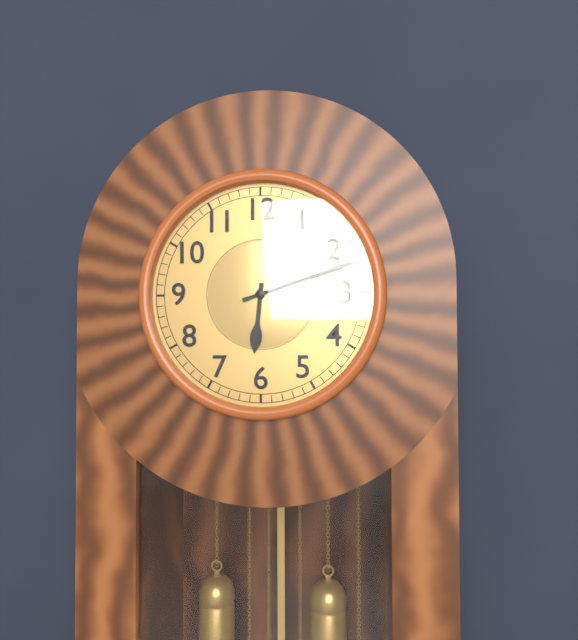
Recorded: 6.12
